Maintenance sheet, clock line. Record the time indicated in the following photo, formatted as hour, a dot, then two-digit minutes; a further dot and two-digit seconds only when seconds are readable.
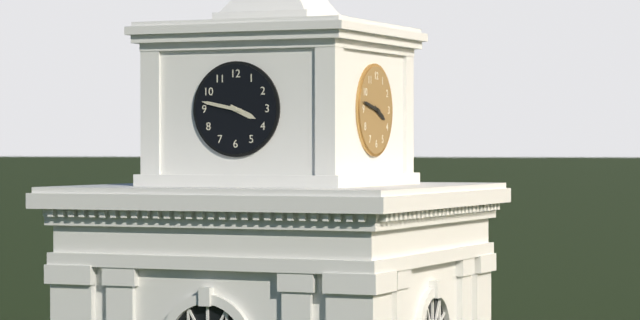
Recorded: 3.47
